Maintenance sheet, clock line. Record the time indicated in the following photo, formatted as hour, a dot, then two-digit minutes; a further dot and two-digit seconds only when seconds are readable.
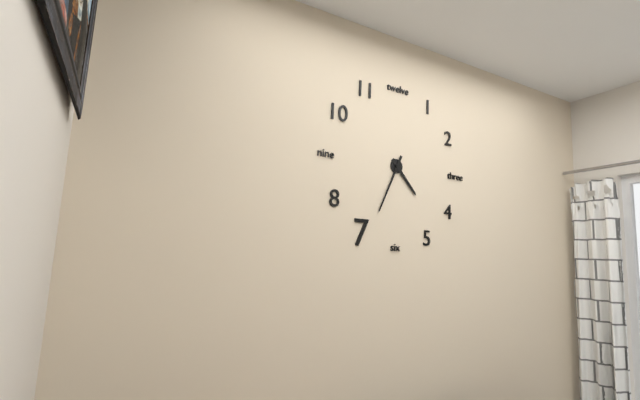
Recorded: 4.34
